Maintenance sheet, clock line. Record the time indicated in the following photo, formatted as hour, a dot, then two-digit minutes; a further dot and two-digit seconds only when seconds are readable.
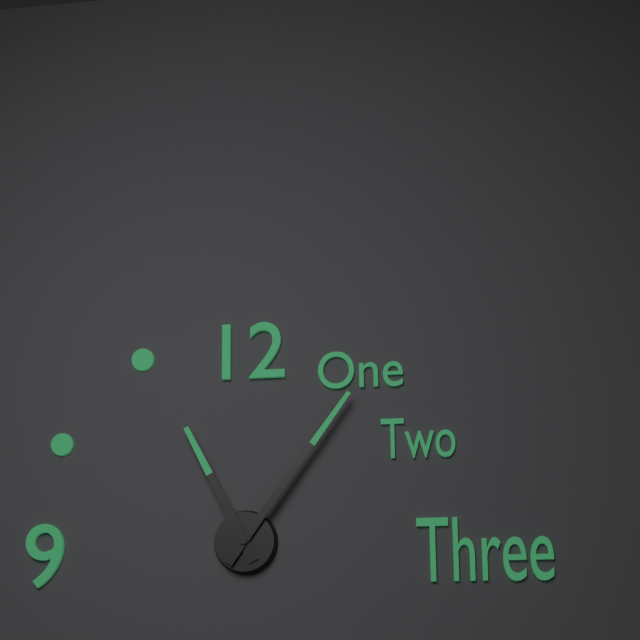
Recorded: 11.06
